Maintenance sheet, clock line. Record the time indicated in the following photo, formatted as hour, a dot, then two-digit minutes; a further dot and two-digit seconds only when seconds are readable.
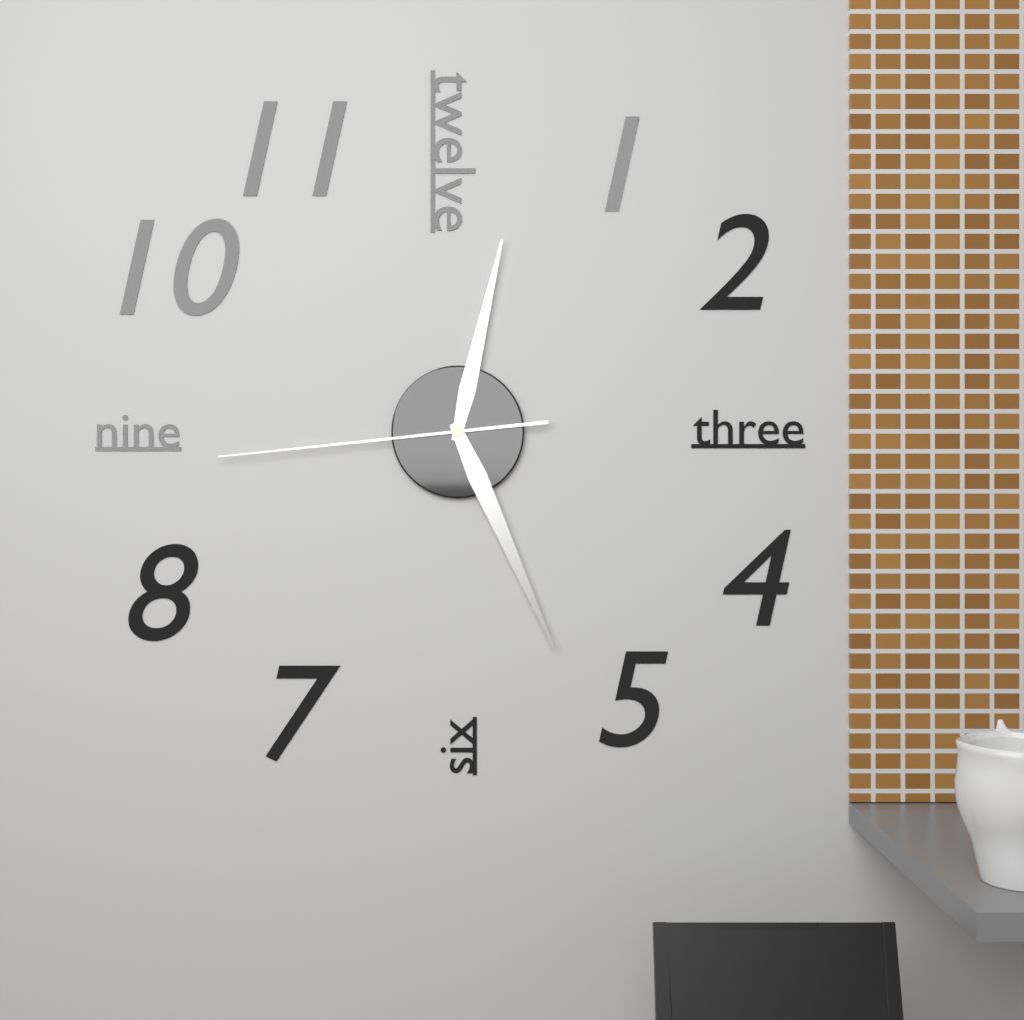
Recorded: 12.26.44
